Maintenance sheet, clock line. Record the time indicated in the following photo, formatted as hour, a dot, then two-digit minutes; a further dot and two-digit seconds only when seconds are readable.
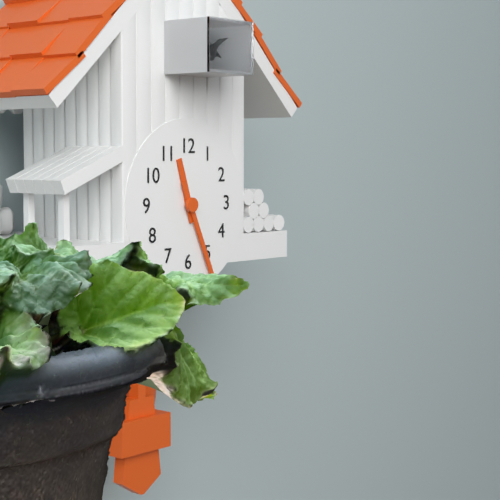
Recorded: 11.26
